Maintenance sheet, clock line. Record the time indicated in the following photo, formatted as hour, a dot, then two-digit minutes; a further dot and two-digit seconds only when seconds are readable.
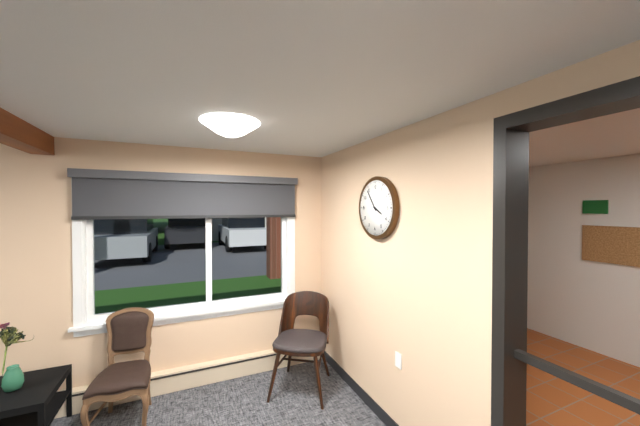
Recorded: 3.54
